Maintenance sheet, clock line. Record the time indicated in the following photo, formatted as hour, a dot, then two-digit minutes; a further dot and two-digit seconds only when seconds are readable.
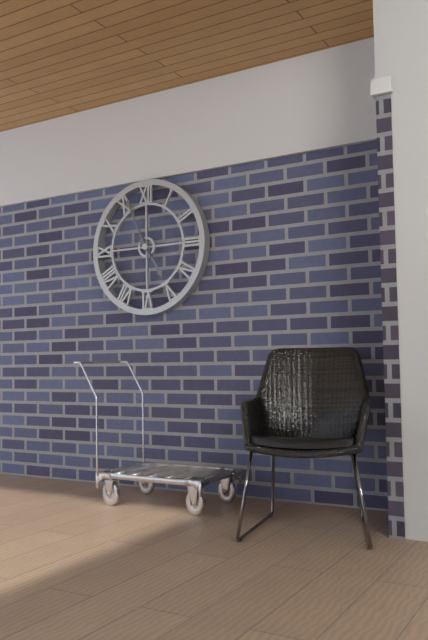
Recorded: 4.56
